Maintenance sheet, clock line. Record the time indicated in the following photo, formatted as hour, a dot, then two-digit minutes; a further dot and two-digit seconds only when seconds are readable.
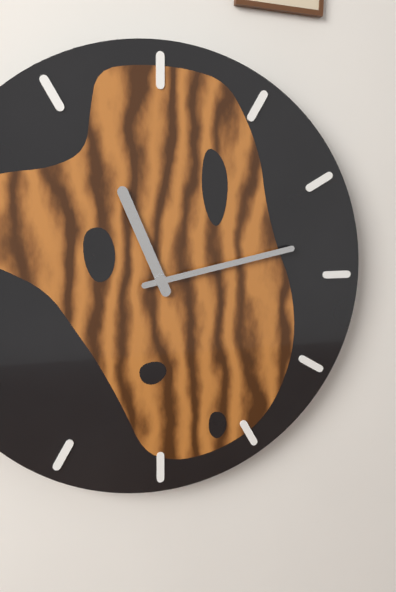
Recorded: 11.13
